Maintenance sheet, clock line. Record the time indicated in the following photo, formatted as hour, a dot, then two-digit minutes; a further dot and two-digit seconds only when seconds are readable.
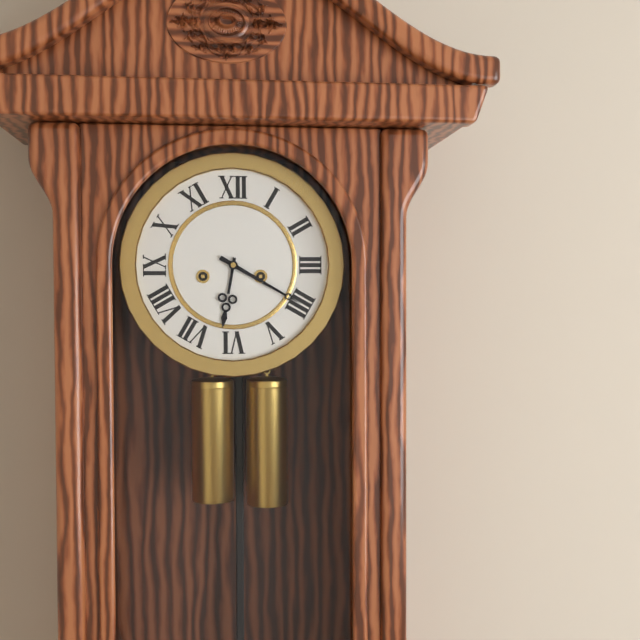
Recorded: 6.20
